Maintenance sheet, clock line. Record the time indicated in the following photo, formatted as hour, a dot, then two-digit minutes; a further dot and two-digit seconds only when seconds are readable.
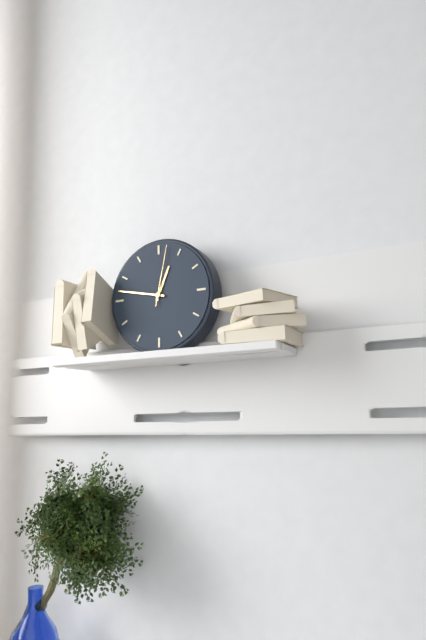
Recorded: 12.47.02
